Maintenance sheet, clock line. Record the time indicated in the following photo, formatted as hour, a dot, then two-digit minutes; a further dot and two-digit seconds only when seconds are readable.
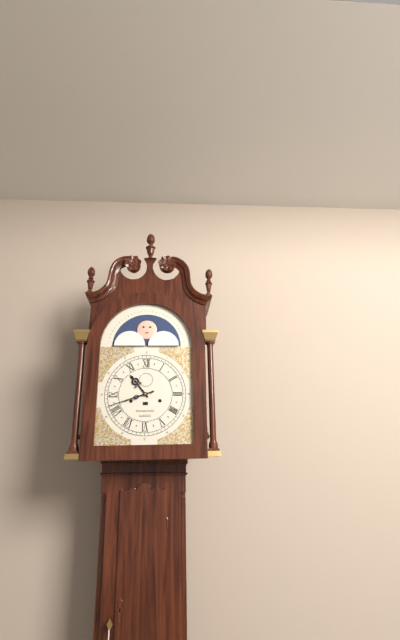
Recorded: 10.42
